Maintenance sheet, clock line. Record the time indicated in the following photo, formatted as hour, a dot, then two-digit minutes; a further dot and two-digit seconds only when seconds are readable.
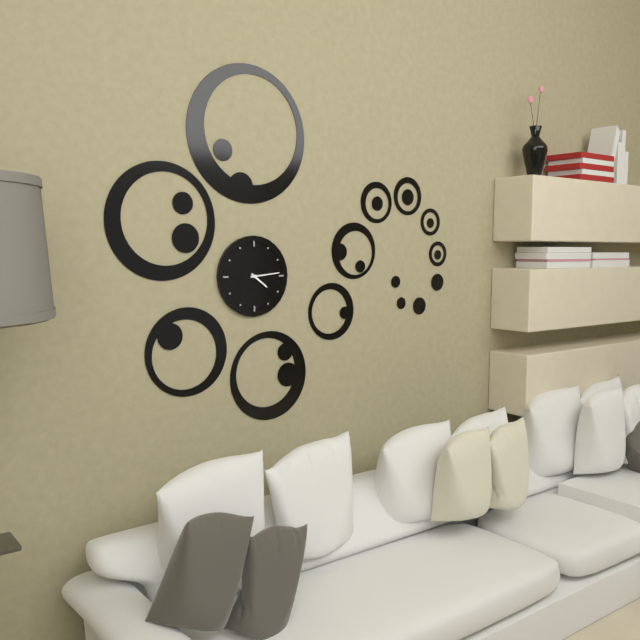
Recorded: 4.14
